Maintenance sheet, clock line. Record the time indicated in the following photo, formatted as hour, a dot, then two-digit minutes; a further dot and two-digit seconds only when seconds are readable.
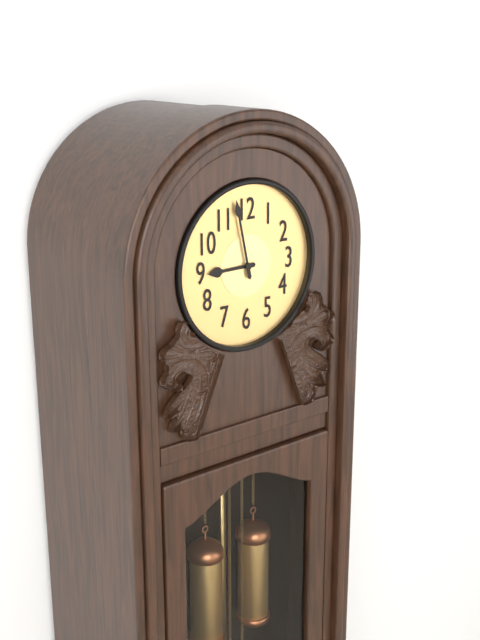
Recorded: 8.58
